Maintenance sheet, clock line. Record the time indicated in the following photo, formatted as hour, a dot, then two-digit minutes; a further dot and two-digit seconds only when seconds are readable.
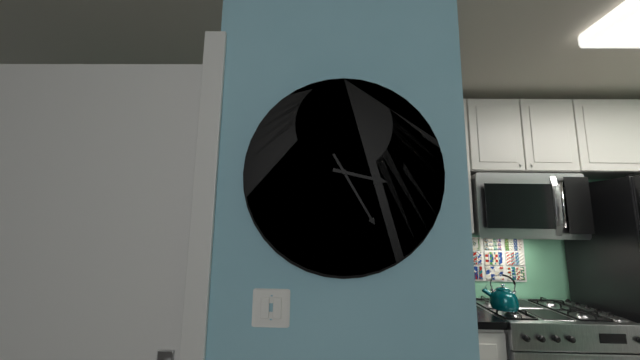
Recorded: 3.25
